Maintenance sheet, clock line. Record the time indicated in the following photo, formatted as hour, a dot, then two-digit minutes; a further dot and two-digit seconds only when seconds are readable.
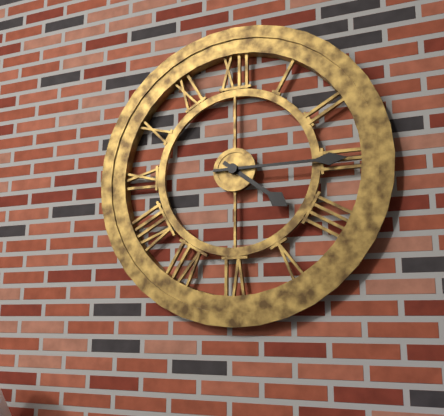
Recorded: 4.15
